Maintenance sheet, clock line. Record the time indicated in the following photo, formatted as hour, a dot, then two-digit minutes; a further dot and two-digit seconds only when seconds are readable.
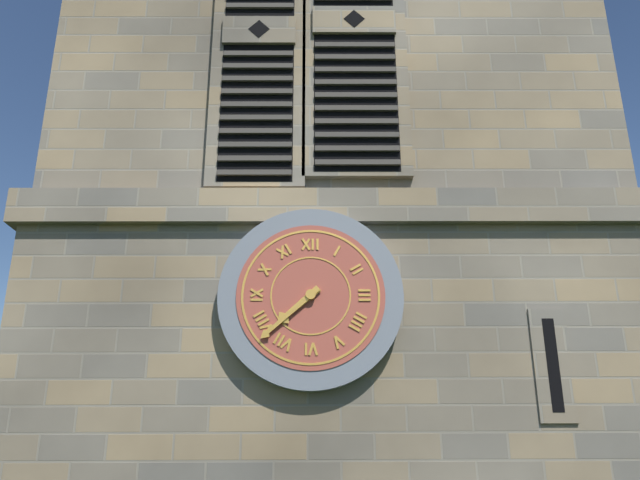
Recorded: 7.38
